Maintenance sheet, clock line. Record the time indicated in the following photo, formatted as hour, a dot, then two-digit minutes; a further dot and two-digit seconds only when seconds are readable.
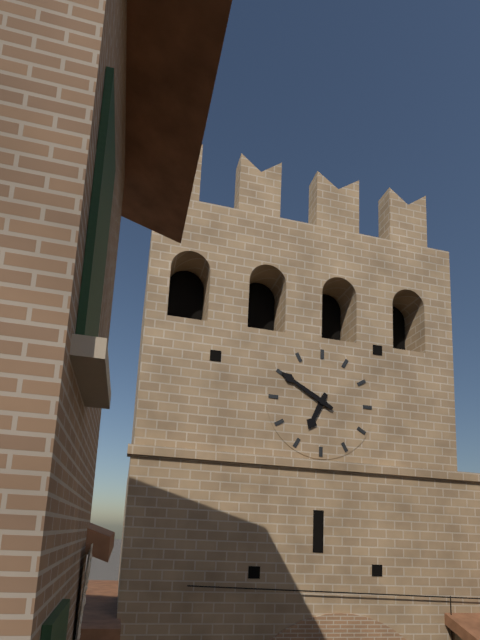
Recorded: 6.50
